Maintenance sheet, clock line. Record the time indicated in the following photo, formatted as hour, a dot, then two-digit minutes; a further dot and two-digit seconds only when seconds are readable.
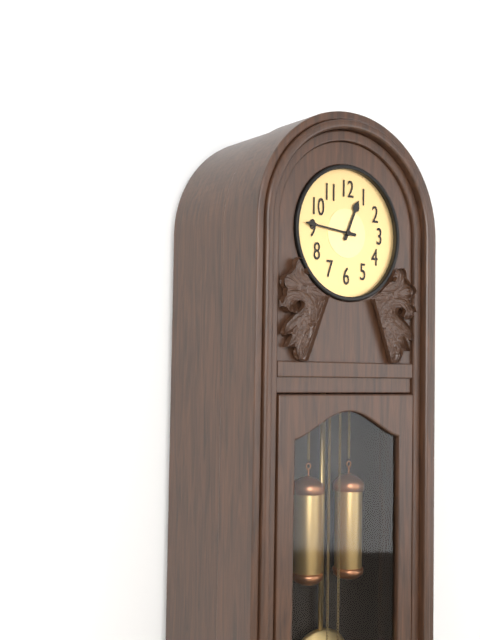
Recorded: 12.46
